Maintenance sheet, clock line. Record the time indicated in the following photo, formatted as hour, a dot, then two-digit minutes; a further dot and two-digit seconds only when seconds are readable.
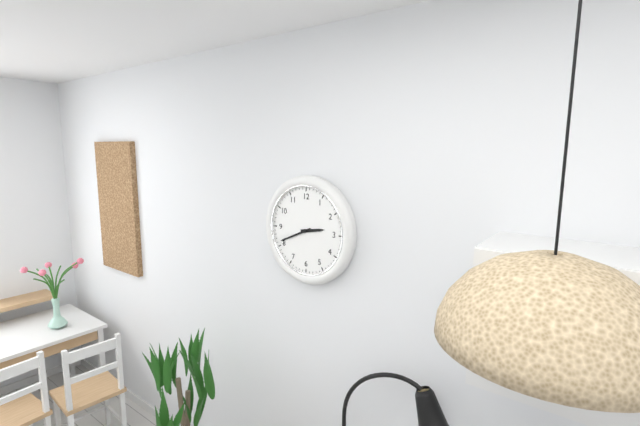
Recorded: 2.41
